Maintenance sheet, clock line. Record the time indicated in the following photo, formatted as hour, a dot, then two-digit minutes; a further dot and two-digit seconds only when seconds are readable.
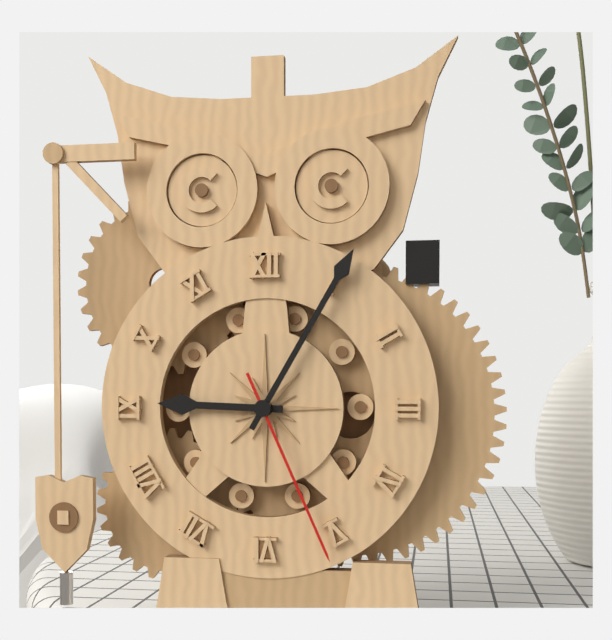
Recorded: 9.05.26
